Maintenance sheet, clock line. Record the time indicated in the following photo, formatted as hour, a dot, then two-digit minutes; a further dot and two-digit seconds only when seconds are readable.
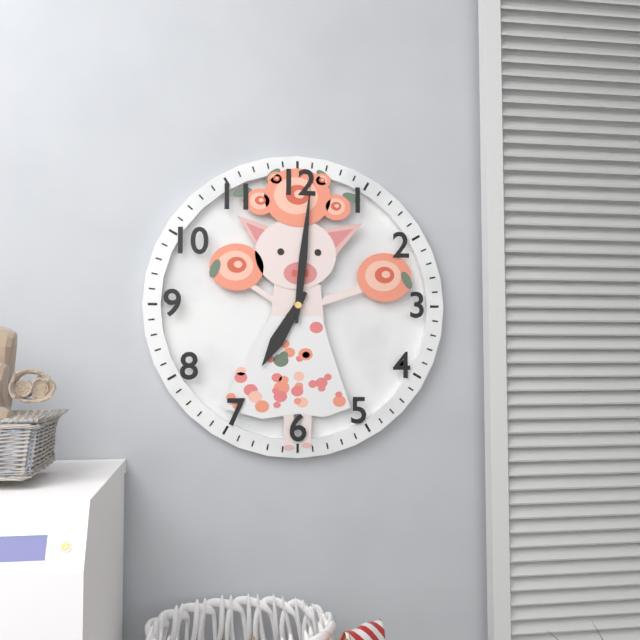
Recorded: 7.01
